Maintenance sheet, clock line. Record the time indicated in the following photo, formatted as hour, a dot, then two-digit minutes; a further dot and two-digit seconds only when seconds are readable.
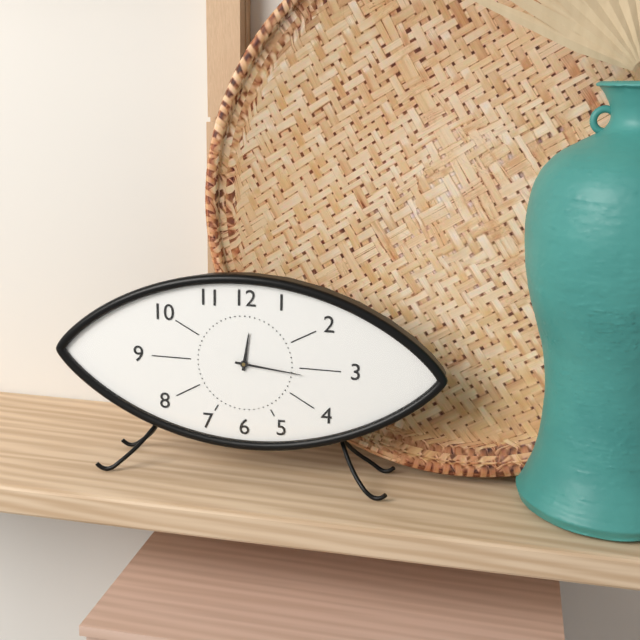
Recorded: 12.16
